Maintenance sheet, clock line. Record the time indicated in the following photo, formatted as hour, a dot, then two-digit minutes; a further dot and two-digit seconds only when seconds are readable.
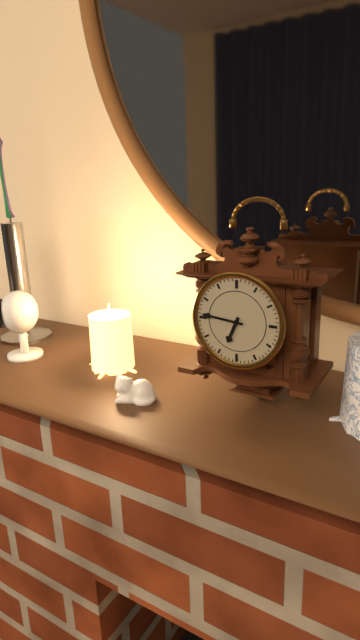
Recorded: 6.46
